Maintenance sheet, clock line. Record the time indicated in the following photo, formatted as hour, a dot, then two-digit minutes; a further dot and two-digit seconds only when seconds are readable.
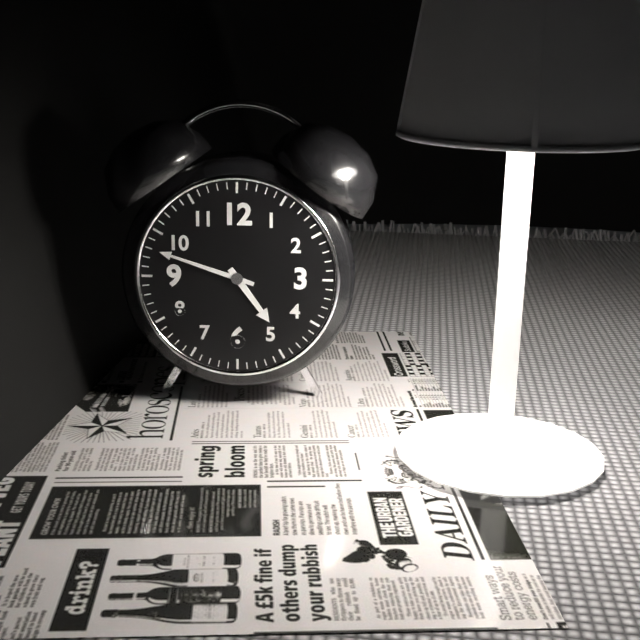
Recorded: 4.48
